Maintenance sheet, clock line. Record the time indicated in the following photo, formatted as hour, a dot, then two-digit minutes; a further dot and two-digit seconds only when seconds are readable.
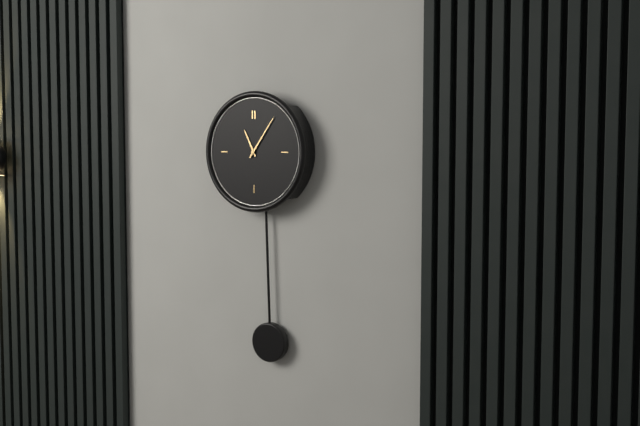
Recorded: 11.06
